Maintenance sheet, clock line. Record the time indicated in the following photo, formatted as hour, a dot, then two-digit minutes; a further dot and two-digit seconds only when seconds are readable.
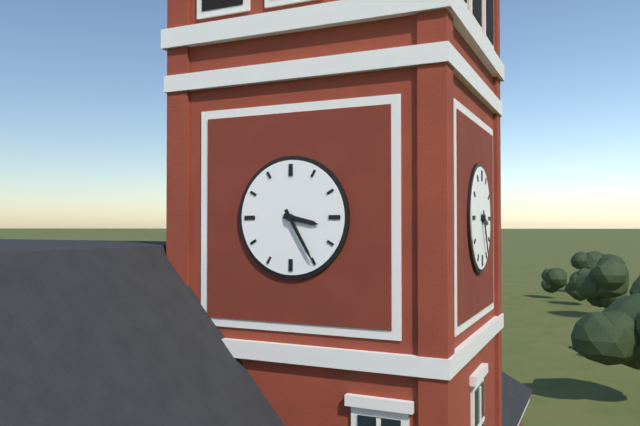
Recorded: 3.25
